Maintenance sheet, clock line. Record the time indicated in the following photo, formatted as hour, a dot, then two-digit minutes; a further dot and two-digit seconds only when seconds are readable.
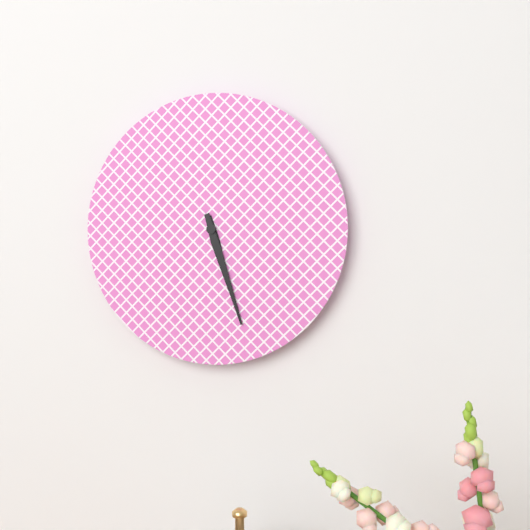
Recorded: 5.27
